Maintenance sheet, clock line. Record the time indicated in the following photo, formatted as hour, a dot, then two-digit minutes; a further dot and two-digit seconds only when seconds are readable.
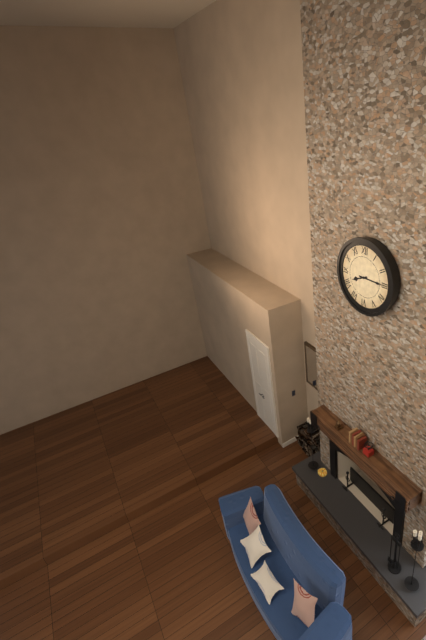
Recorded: 8.15
